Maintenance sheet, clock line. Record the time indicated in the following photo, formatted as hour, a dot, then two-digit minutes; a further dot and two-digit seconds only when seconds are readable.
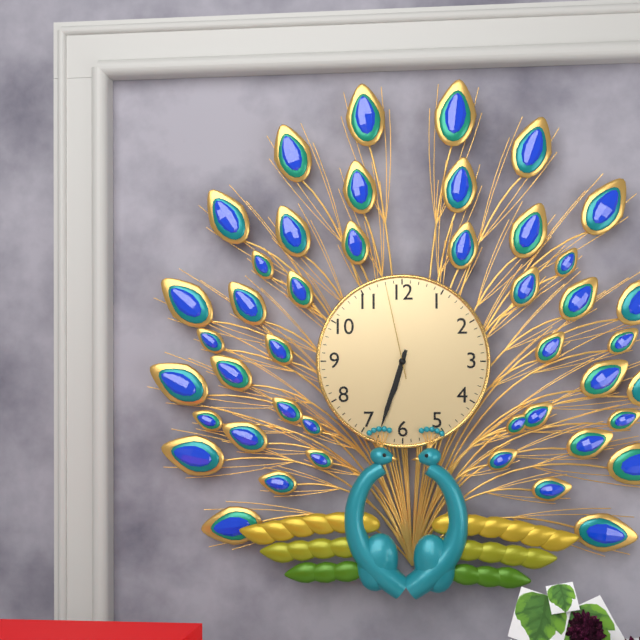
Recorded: 6.33.58
